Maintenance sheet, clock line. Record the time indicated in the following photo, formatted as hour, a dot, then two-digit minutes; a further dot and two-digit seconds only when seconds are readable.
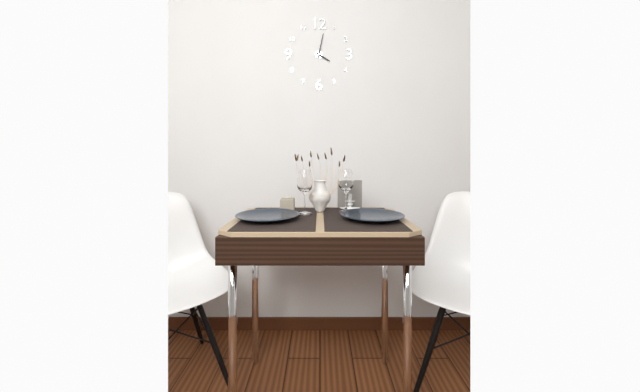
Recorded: 4.02
